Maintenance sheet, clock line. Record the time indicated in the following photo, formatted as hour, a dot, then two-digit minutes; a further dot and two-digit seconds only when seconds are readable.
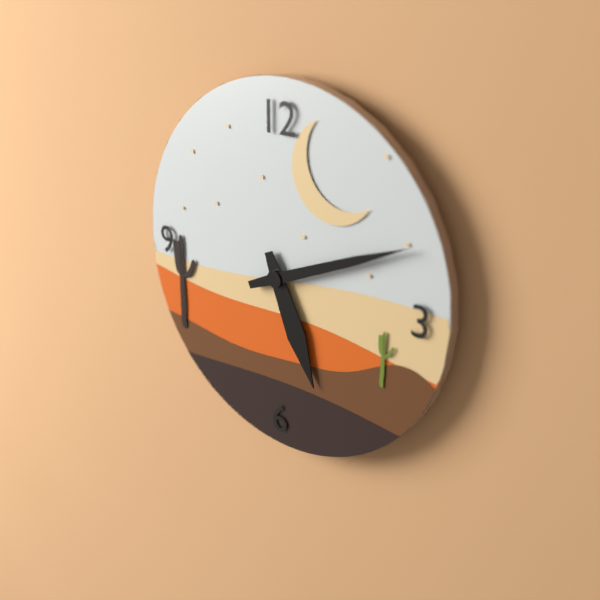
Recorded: 5.11
